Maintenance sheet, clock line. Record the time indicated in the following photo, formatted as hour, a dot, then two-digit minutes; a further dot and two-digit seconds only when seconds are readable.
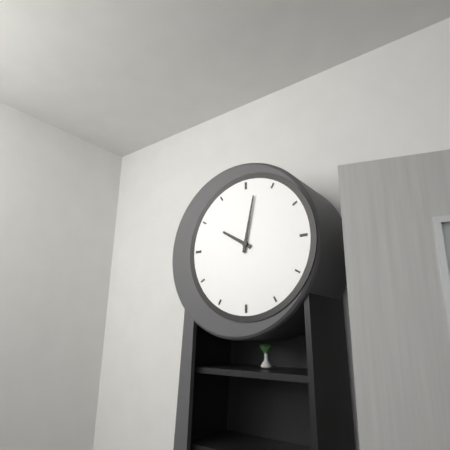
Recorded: 10.02
